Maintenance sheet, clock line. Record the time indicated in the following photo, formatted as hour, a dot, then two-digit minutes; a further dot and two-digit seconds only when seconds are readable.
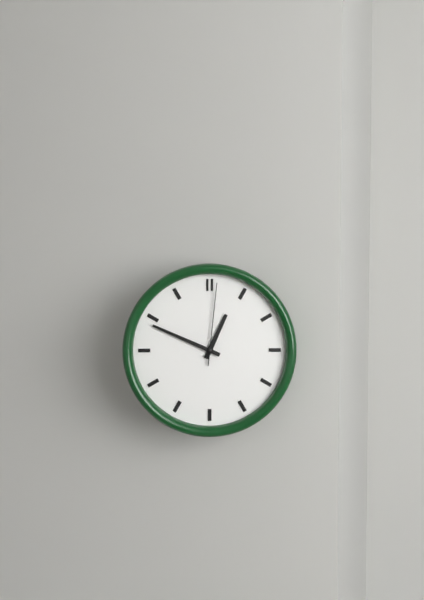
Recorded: 12.49.01
